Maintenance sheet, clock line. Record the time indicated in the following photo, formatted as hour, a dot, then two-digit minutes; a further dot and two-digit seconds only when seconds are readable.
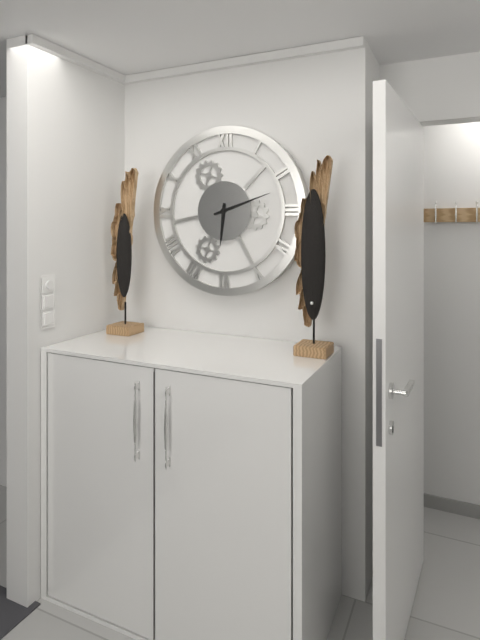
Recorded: 6.12
